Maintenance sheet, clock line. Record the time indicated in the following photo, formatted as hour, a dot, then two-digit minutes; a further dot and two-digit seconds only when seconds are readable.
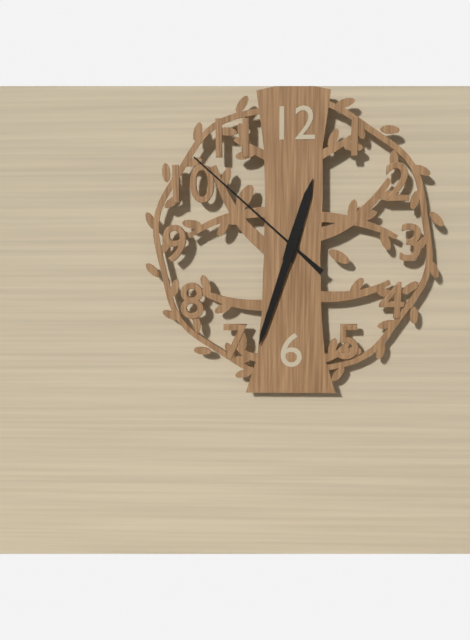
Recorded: 12.33.52
